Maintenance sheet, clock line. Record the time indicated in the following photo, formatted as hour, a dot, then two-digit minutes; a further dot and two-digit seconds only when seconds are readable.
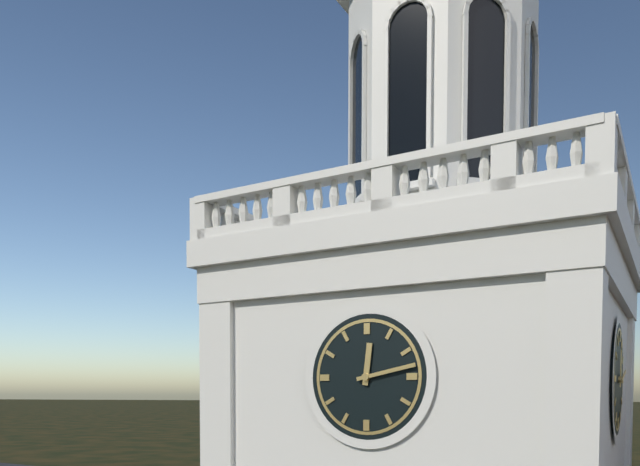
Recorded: 12.13
